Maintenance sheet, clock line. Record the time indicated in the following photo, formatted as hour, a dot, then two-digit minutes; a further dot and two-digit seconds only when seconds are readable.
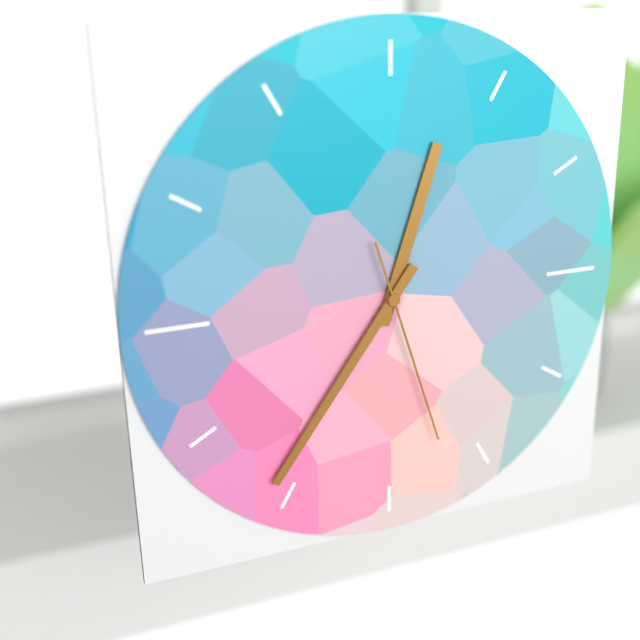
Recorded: 12.36.27
